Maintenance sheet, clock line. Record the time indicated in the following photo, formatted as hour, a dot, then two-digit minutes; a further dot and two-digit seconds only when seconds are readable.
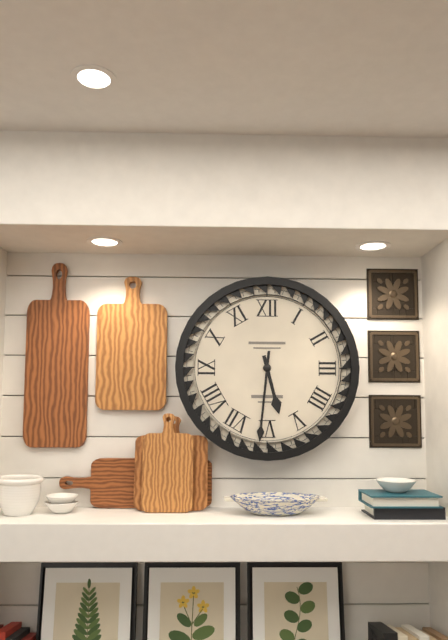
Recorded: 5.31
